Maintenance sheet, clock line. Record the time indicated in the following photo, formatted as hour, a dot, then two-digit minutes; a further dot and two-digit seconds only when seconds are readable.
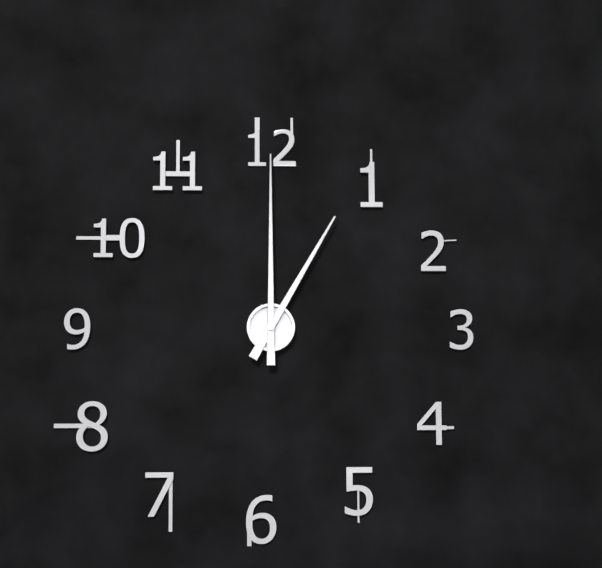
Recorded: 1.00
